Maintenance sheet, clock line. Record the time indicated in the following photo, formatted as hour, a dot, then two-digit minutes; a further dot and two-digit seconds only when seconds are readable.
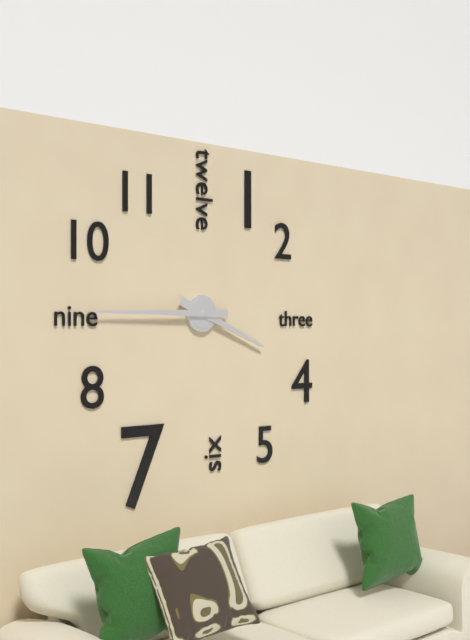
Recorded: 3.45
